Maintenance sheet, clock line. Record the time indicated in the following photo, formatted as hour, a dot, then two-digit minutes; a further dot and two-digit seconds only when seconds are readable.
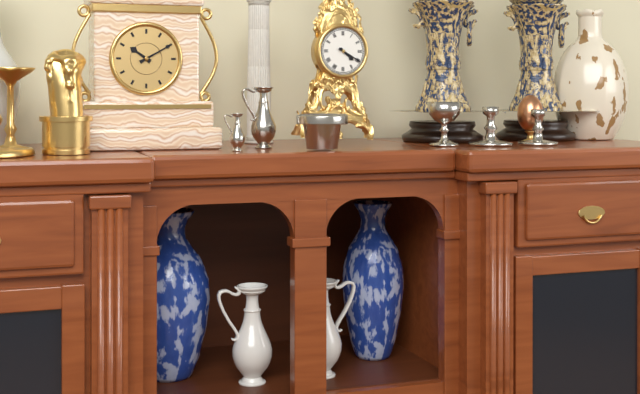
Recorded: 4.20
